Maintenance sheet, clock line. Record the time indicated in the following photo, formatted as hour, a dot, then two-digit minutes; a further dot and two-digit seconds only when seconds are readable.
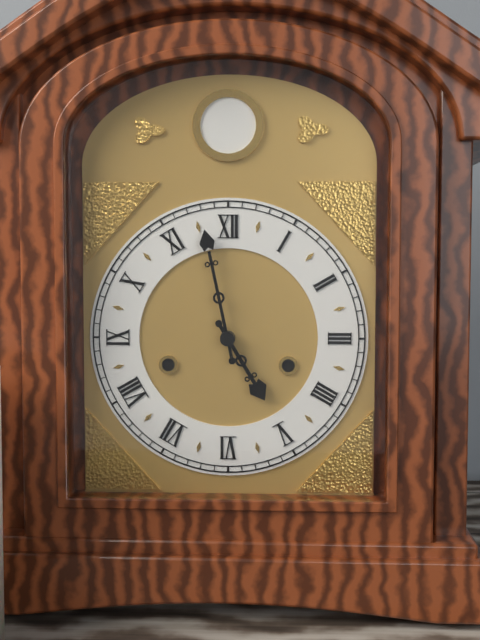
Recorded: 4.58
